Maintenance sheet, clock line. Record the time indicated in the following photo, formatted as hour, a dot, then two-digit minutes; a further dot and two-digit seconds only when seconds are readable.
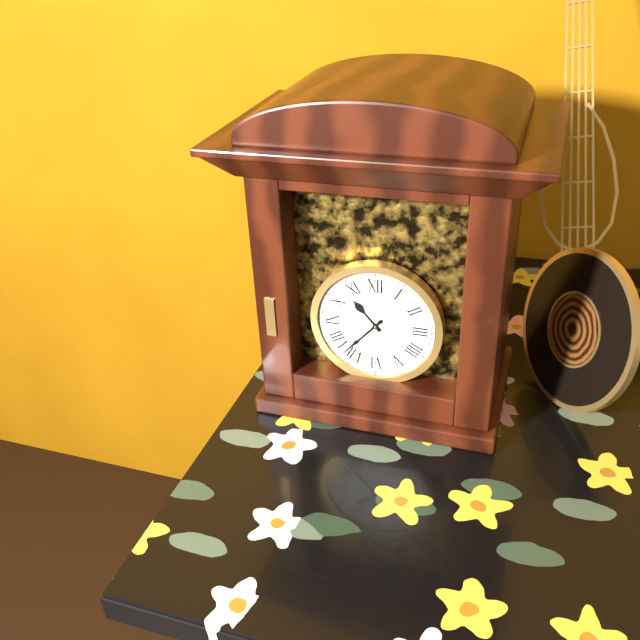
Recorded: 10.37
